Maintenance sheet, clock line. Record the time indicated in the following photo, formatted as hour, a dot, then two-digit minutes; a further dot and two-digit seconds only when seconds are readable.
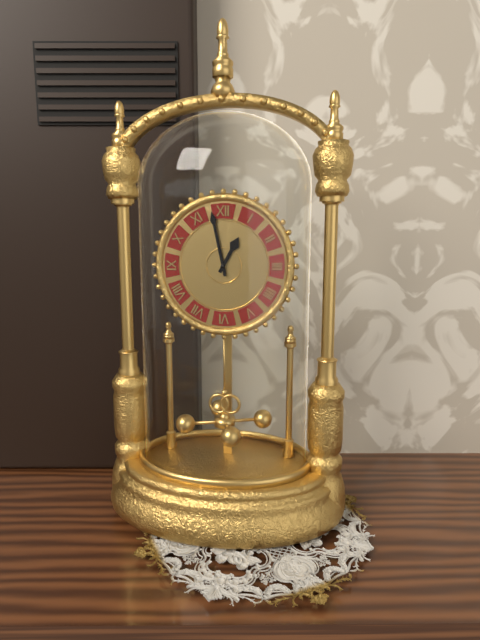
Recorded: 12.58
